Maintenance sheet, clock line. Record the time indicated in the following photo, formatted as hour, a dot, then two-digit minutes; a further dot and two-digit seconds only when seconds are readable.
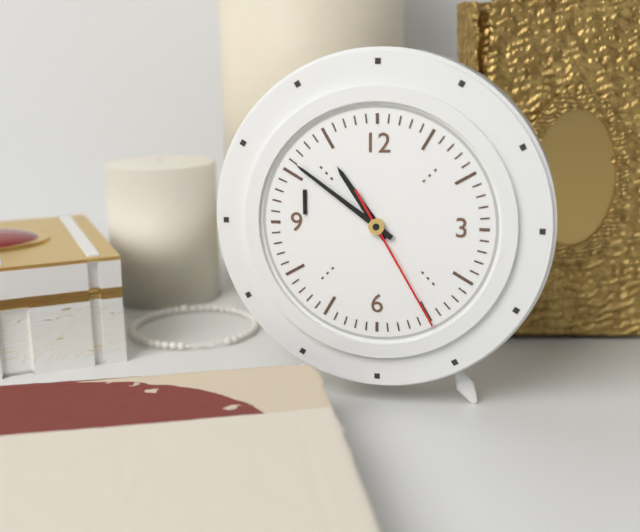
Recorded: 10.51.25
